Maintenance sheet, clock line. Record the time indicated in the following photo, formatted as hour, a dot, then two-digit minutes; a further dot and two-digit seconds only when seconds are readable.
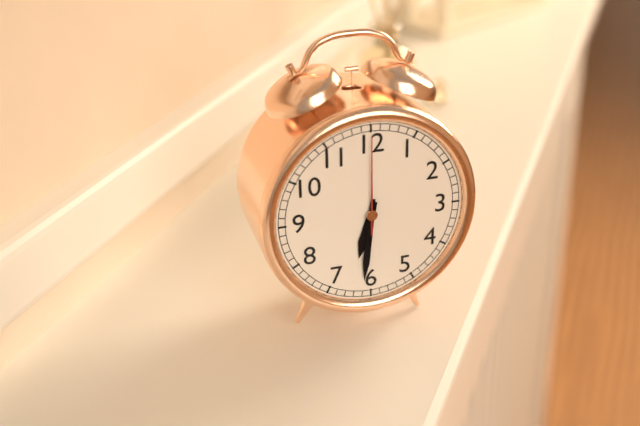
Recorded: 6.31.00
